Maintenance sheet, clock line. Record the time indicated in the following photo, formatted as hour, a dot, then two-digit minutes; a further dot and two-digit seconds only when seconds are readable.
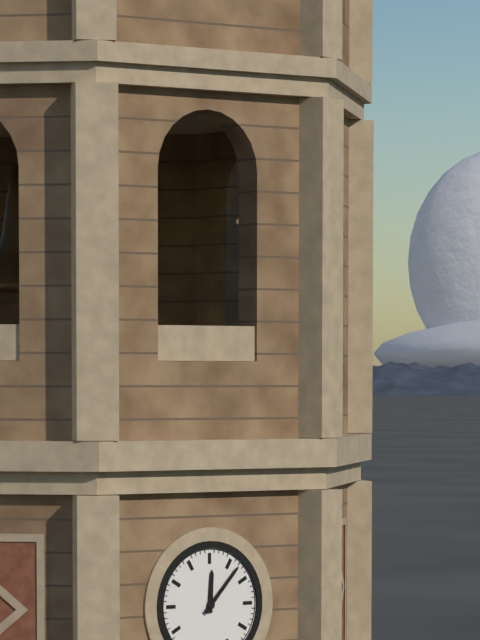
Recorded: 12.07
